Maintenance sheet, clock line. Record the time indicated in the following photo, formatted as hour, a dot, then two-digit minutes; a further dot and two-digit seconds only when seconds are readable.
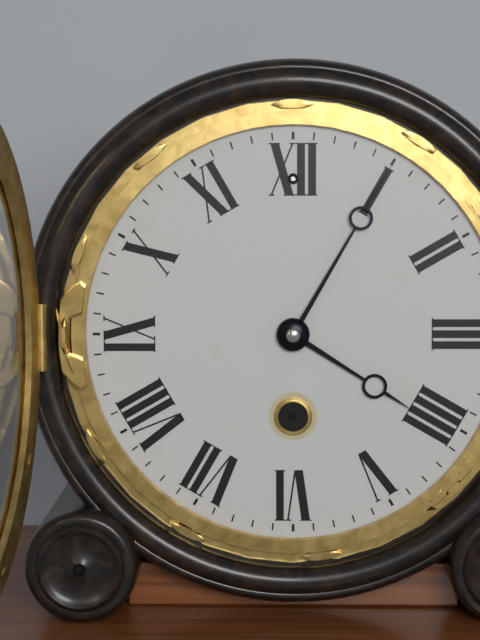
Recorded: 4.05
